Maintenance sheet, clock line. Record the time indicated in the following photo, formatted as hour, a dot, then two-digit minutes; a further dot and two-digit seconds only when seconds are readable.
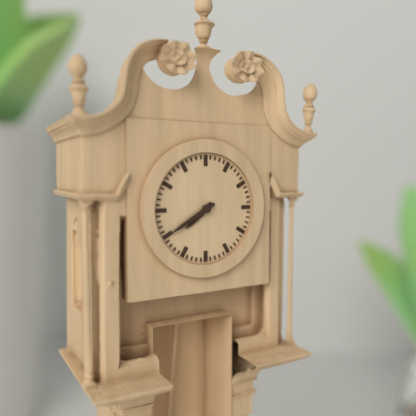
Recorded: 7.40
